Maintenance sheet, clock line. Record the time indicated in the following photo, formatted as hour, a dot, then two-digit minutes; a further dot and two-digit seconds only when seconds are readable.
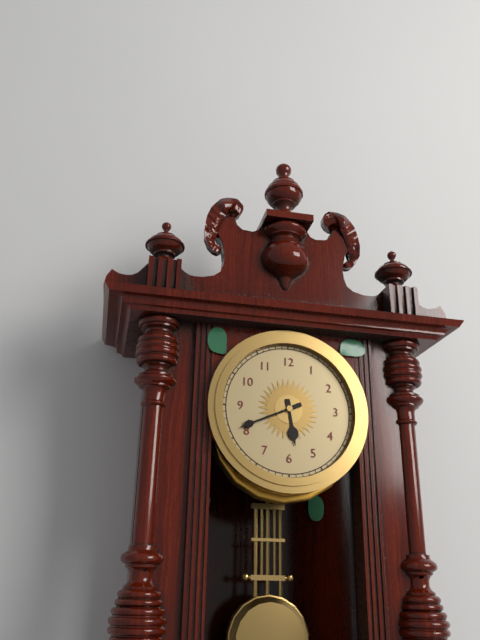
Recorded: 5.41
